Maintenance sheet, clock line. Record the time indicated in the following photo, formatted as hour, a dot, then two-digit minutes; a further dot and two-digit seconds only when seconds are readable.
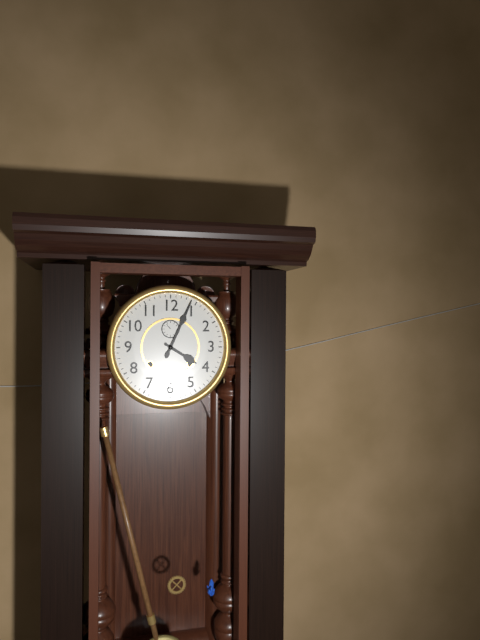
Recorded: 4.04
